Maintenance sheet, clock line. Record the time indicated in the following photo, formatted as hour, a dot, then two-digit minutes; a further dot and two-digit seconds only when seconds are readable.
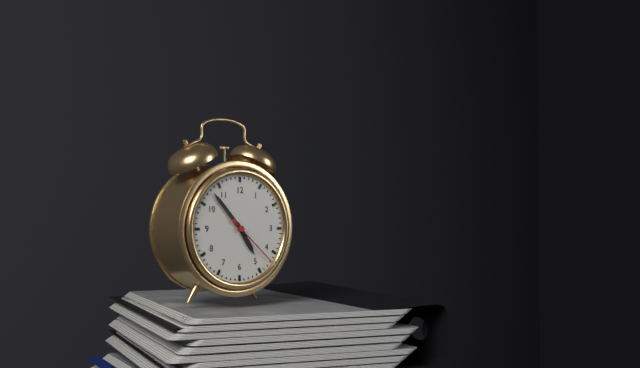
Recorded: 4.53.22
